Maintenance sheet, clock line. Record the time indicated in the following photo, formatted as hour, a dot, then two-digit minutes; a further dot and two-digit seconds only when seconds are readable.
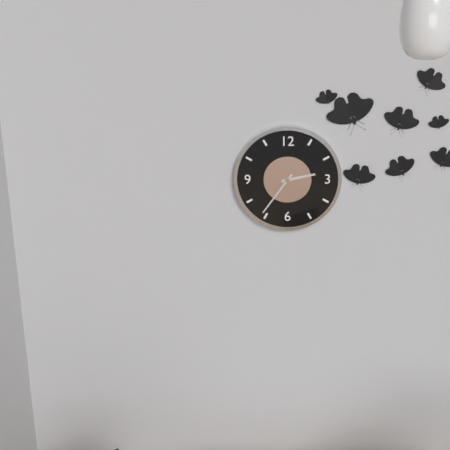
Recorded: 2.36
